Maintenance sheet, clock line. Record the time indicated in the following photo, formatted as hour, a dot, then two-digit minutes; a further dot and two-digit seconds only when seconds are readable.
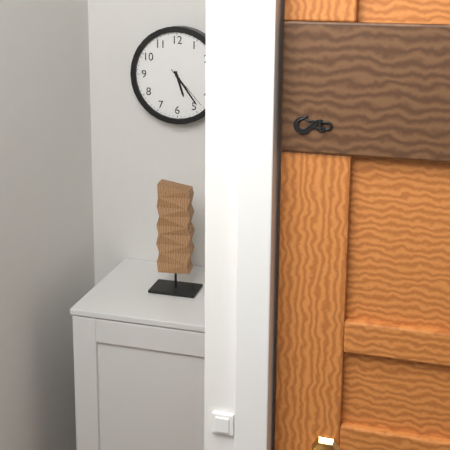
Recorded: 5.24
